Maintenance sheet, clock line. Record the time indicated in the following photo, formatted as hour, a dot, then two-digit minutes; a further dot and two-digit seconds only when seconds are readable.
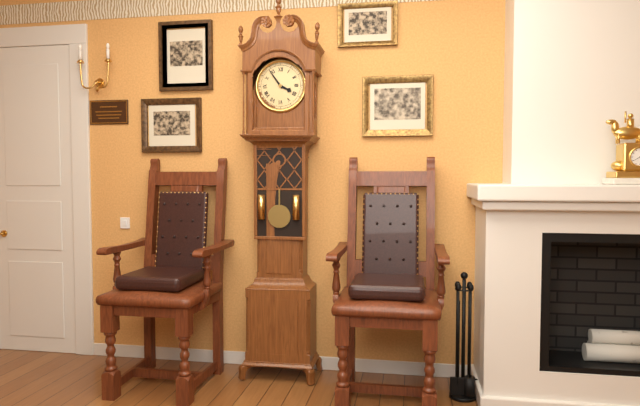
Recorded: 3.54
